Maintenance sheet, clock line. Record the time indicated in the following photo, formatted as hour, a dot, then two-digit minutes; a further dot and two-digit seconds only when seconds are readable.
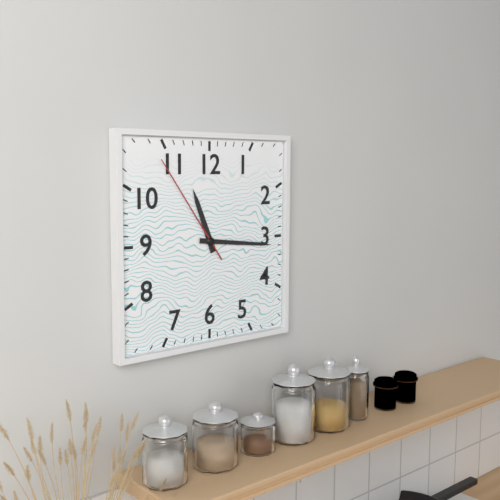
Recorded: 11.16.54
